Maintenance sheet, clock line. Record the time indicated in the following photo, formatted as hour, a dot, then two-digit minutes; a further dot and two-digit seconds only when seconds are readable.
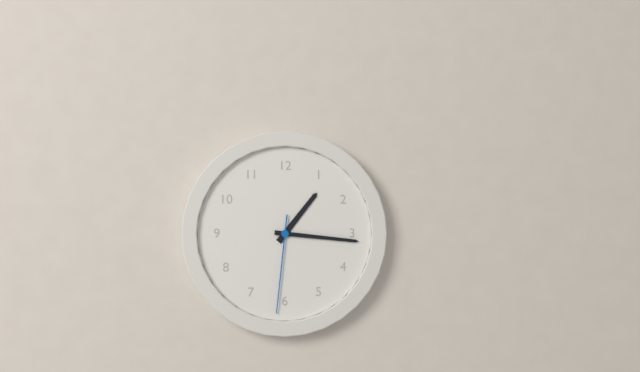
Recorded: 1.16.31
